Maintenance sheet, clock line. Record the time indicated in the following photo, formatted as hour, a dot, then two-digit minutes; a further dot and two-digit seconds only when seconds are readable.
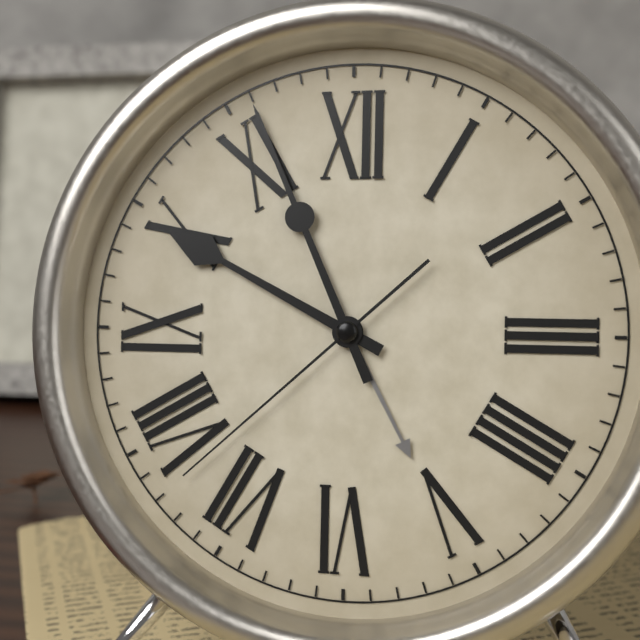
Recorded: 9.56.38
